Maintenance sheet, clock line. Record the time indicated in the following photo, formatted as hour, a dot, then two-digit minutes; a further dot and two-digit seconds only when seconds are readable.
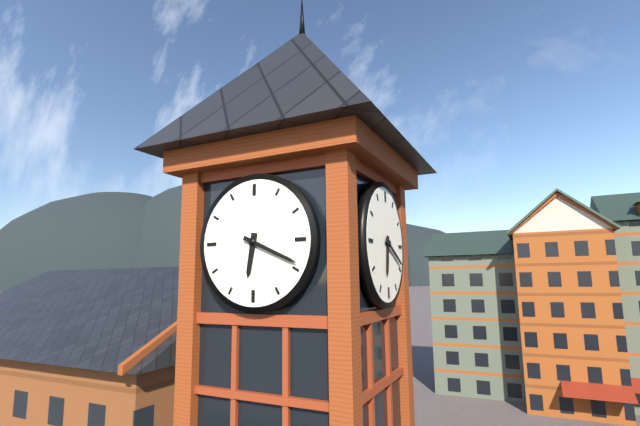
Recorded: 6.19
